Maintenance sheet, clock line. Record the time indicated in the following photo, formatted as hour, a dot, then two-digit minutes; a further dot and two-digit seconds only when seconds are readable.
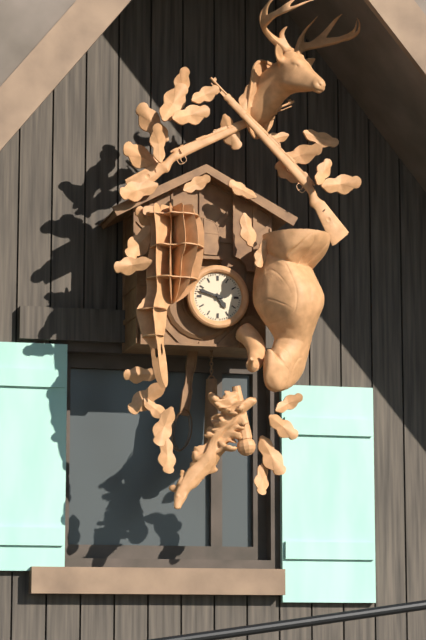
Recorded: 4.48
